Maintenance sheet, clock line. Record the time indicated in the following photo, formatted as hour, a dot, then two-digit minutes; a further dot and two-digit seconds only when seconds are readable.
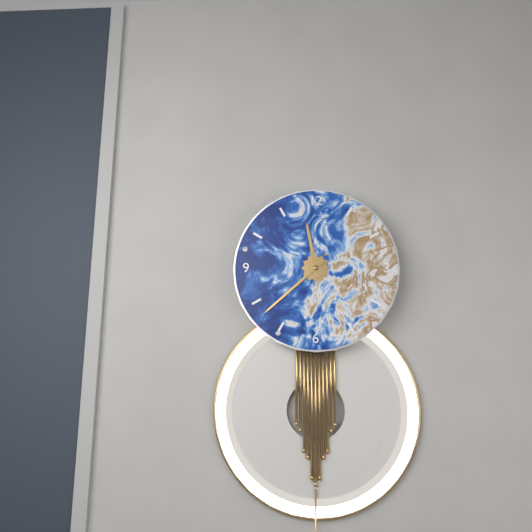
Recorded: 11.38
